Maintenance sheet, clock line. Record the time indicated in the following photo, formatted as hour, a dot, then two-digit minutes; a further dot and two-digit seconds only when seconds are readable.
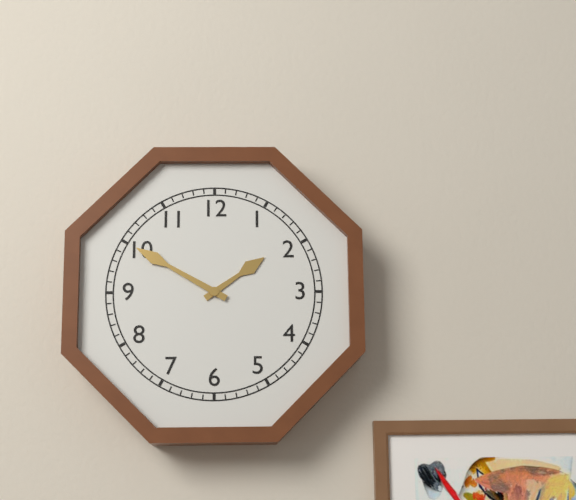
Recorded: 1.50
